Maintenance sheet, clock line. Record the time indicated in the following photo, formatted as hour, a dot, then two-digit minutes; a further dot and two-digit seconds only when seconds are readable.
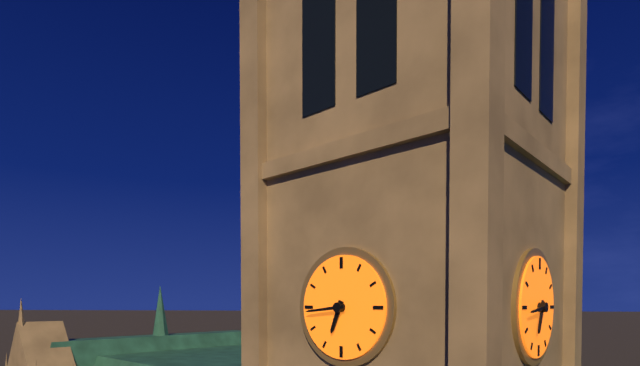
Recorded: 6.44
